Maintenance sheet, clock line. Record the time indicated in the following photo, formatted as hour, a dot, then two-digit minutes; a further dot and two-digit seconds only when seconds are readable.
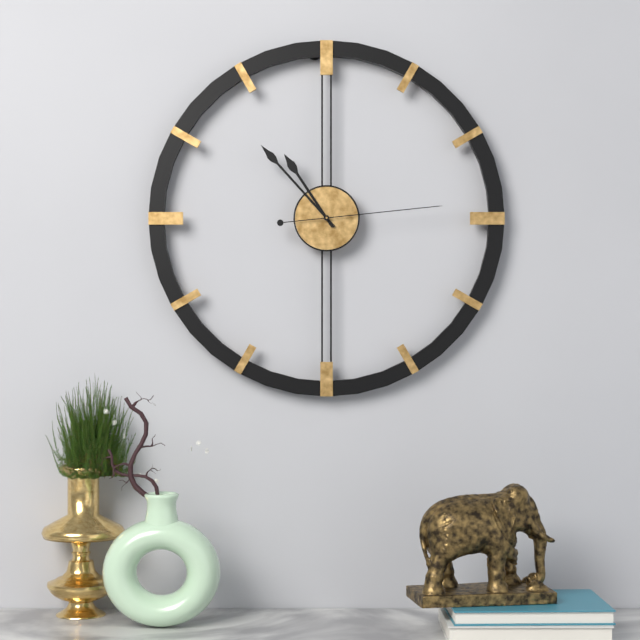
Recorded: 10.53.14
